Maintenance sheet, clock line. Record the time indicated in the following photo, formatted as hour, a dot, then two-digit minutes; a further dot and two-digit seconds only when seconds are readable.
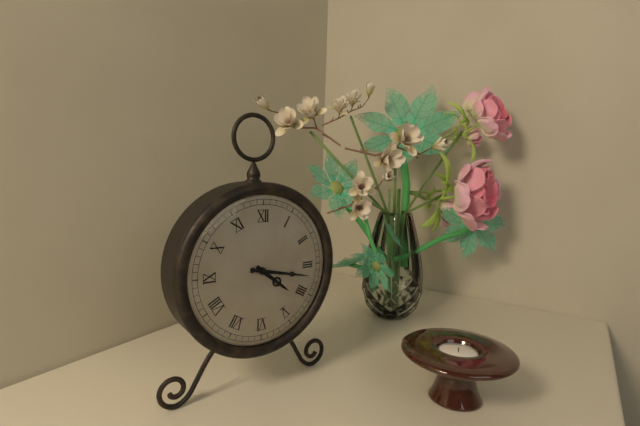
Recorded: 4.17
